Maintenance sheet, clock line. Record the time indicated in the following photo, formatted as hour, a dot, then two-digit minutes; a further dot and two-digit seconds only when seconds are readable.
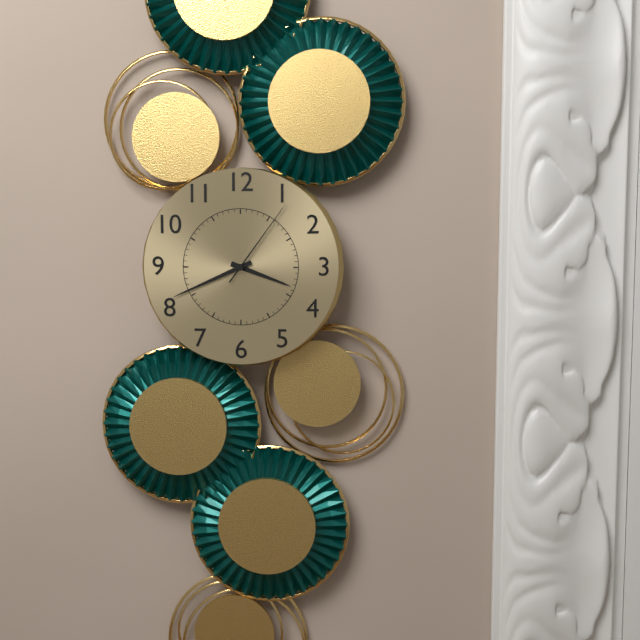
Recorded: 3.41.06
